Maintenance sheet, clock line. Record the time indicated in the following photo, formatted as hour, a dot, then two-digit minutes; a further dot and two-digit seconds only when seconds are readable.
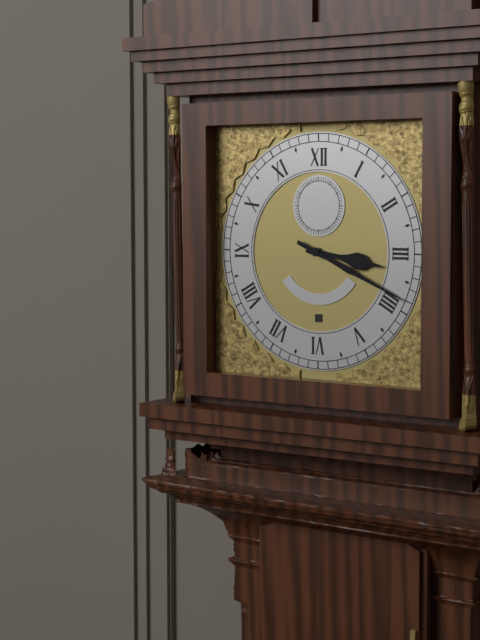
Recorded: 3.19
